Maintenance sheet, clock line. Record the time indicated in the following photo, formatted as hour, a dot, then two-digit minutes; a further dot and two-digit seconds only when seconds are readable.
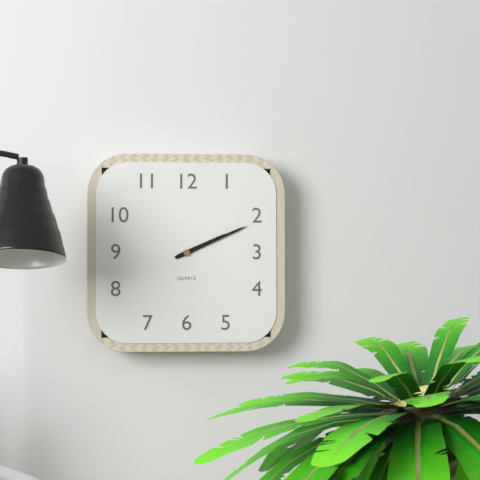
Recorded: 2.11
